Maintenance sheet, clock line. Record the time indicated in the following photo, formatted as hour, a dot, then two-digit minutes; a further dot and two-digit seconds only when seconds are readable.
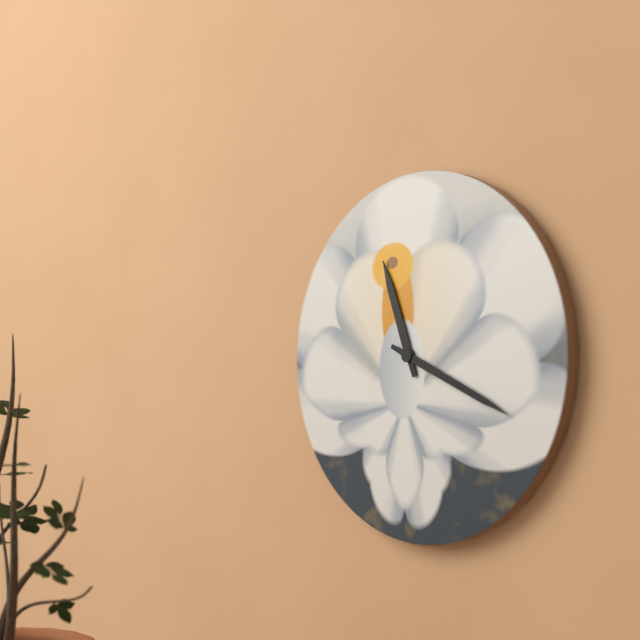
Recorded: 11.19
